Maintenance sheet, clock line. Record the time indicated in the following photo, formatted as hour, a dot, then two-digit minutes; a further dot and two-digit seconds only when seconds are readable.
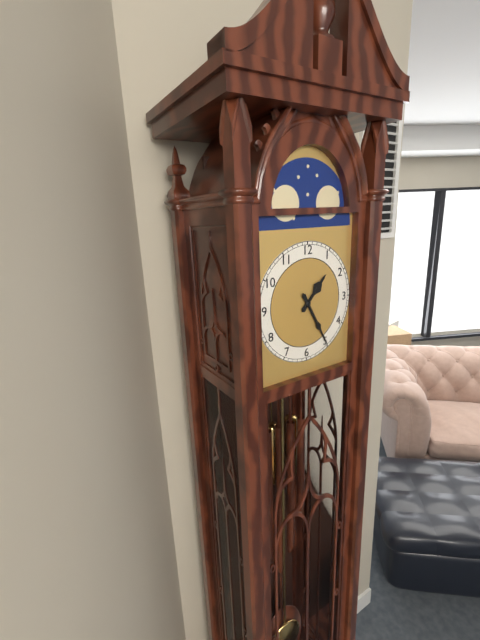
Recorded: 1.25
